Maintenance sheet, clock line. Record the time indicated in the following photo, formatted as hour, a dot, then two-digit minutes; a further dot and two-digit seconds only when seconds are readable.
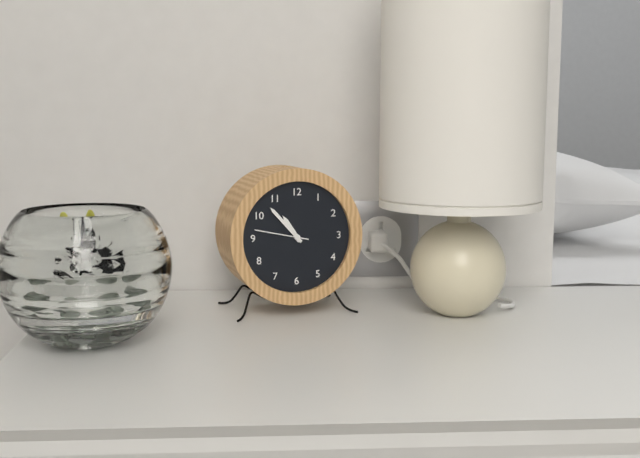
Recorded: 10.53.47
